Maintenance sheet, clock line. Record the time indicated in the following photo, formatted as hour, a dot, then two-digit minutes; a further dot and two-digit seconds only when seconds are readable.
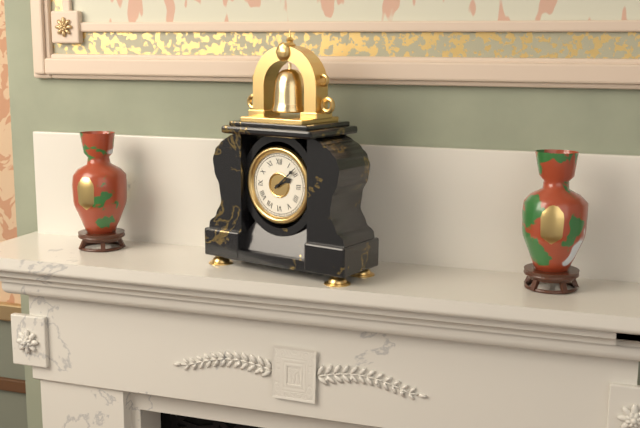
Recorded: 2.08
